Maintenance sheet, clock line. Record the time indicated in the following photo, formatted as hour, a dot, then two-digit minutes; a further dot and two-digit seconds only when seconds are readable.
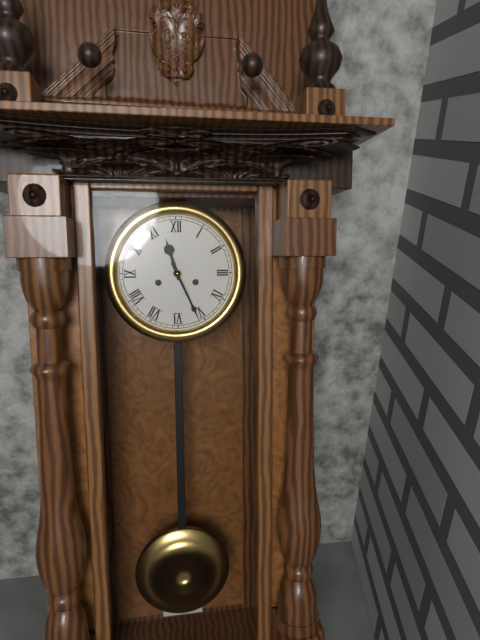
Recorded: 11.26
